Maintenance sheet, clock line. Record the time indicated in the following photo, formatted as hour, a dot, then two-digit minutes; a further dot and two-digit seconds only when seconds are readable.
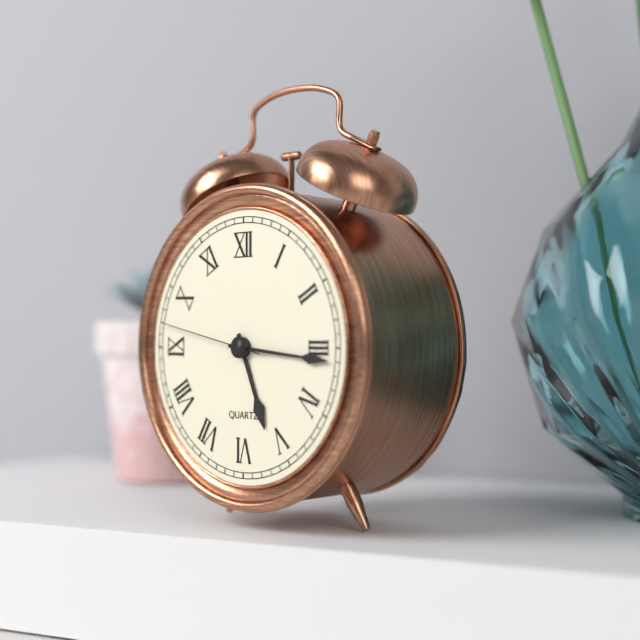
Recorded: 5.16.47
